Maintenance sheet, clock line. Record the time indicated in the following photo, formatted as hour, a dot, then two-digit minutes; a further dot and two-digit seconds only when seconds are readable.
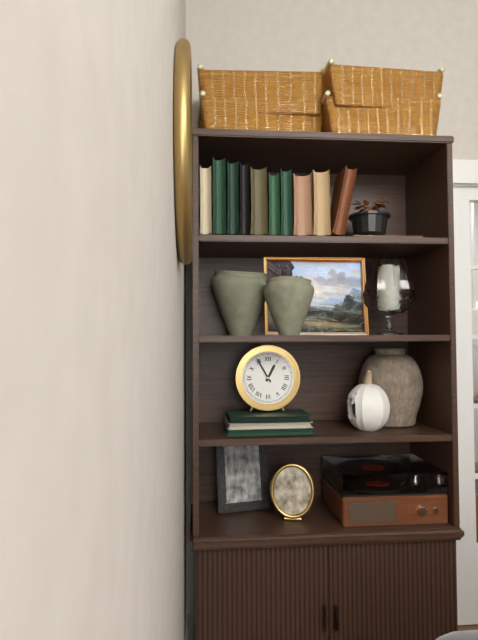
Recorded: 12.55
